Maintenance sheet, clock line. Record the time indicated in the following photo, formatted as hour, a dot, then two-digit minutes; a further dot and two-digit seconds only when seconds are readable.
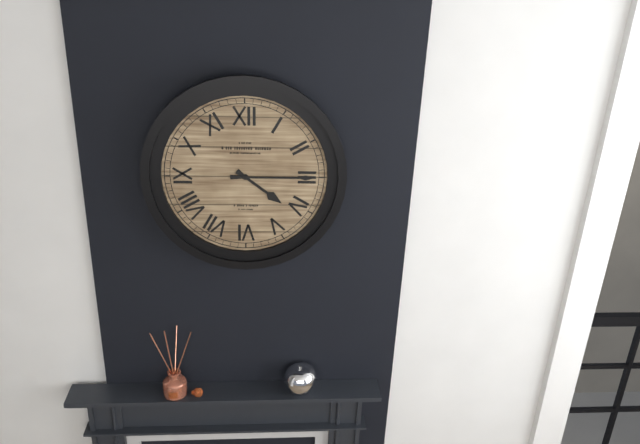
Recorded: 4.15
